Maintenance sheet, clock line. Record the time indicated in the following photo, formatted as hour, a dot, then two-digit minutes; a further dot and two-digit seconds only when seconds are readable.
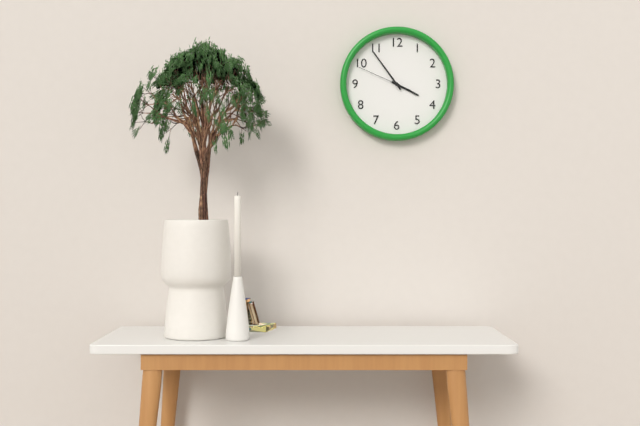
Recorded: 3.54.49
